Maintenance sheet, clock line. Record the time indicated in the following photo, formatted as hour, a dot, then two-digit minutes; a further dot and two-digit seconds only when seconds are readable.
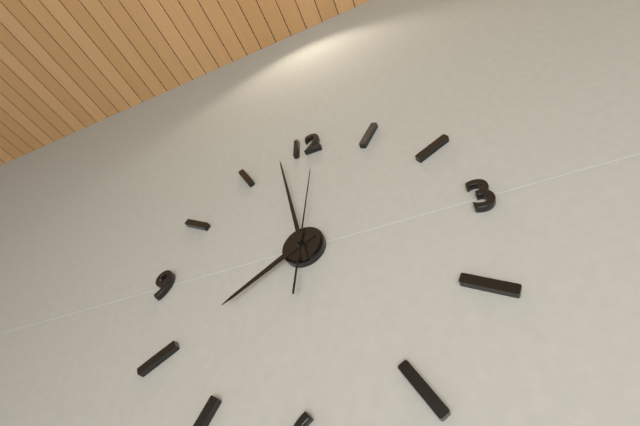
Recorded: 7.58.01
